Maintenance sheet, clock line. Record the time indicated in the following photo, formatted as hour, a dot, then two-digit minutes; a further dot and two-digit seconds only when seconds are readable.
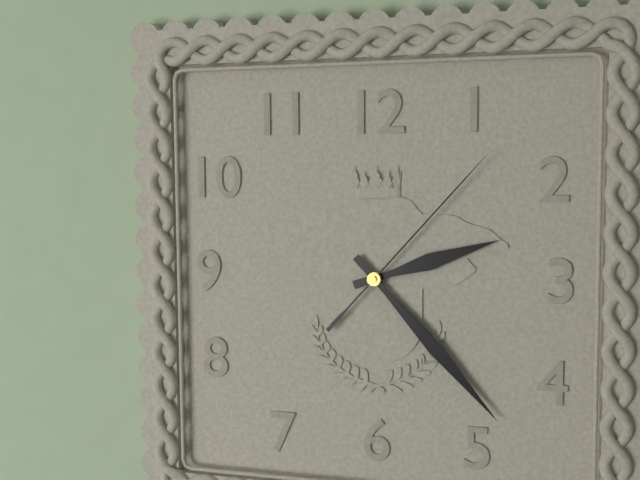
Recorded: 2.23.07
